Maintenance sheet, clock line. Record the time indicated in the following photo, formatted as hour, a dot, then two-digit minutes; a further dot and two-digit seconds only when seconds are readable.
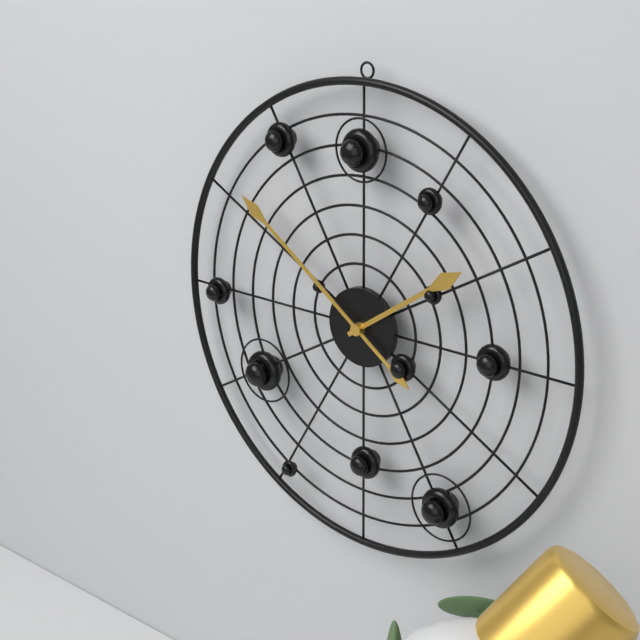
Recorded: 1.51
